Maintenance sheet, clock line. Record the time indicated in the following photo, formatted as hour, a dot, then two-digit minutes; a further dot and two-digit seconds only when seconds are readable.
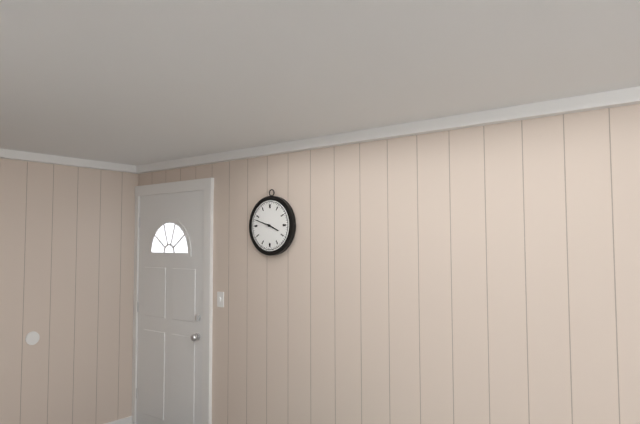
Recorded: 3.48
